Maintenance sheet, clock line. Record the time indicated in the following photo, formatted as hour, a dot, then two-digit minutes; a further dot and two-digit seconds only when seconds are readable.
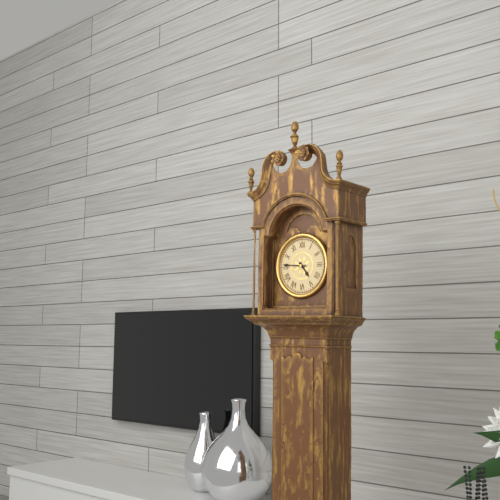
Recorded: 4.46
